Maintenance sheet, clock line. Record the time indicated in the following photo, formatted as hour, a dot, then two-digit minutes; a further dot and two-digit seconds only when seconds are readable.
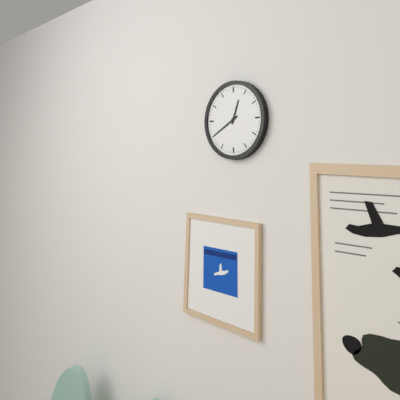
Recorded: 12.40
